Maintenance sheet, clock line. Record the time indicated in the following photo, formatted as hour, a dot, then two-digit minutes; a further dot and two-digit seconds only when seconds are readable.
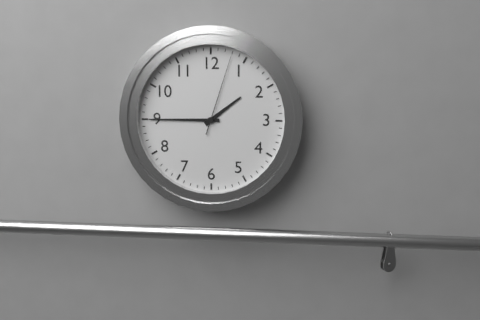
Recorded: 1.45.03
